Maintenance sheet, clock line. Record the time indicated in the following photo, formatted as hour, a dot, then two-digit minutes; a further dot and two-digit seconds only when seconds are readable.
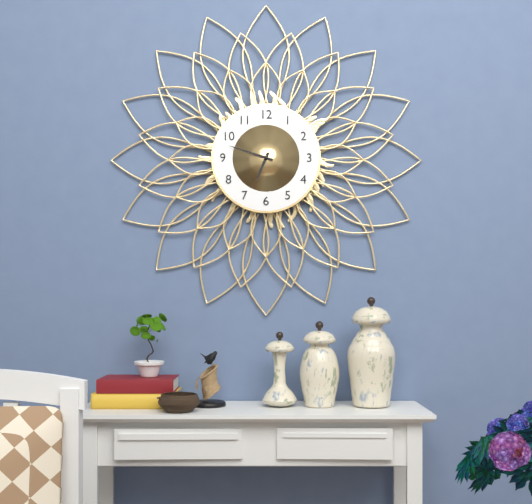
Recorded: 6.48
